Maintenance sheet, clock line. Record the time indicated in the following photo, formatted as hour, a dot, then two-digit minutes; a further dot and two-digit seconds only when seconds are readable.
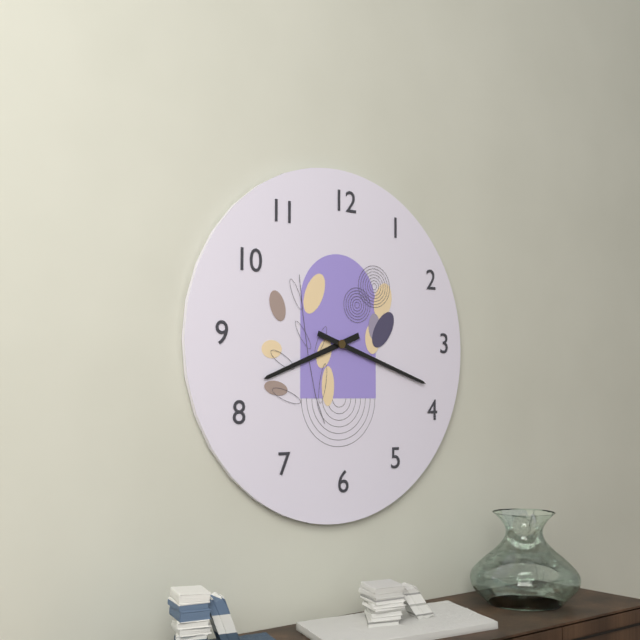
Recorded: 8.18
